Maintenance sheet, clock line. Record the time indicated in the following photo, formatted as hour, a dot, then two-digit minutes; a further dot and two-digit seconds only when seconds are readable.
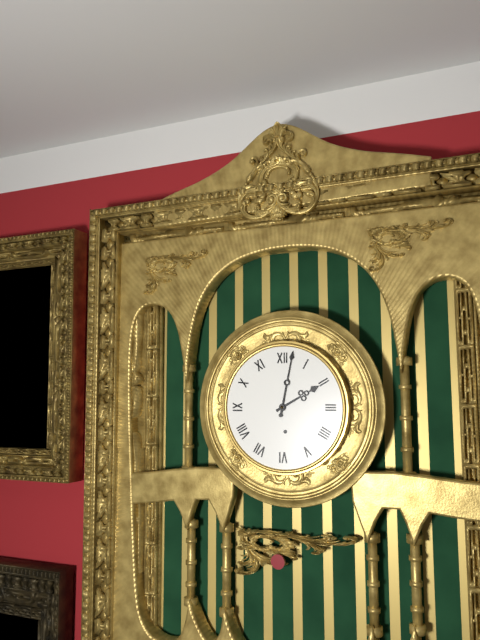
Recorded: 2.02
